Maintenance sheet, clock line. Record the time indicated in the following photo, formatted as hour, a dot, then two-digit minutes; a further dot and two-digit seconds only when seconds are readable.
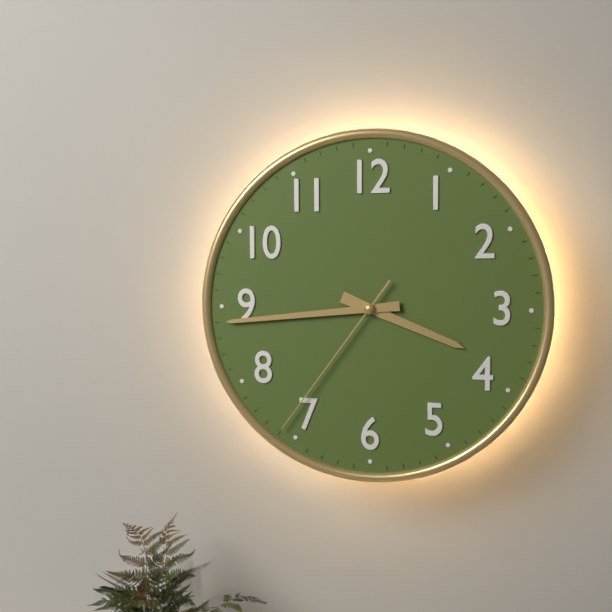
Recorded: 3.44.36
